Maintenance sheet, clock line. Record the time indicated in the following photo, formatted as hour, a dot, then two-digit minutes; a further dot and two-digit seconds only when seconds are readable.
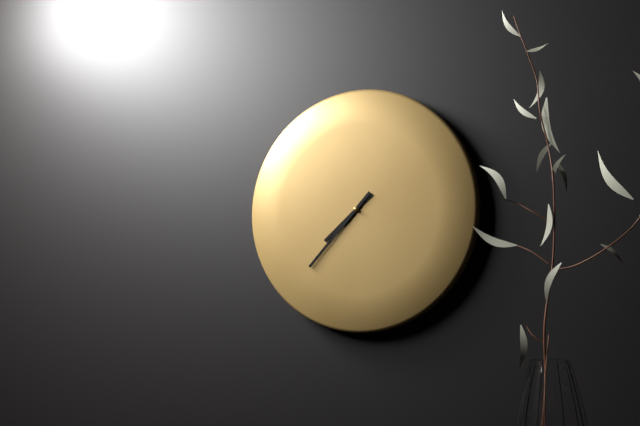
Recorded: 7.37
